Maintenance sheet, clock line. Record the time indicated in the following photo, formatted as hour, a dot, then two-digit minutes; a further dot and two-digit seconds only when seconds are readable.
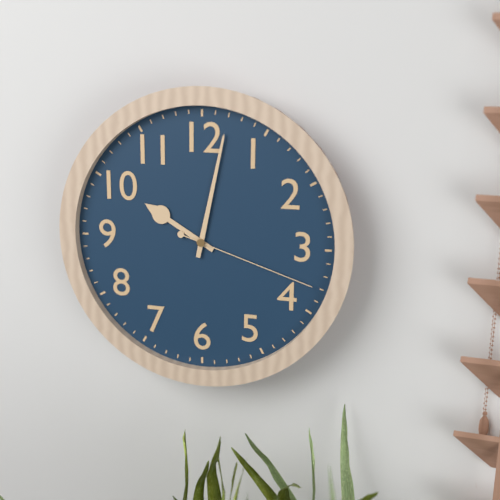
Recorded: 10.02.18
